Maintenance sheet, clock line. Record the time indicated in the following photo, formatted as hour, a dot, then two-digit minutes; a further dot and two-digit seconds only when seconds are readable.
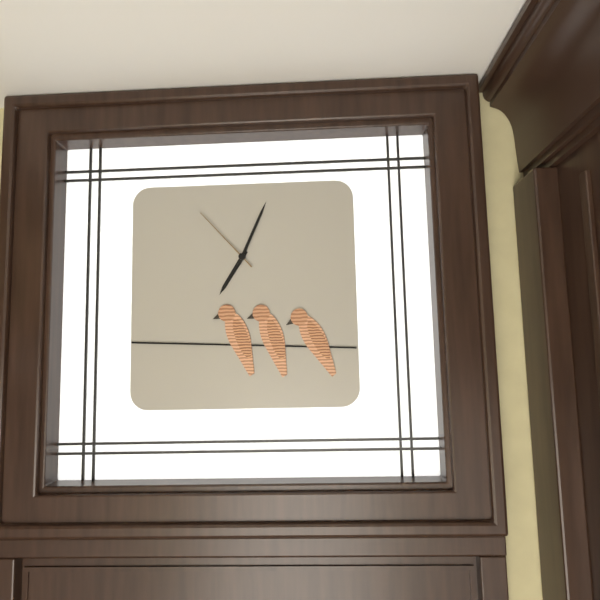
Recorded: 7.04.53
